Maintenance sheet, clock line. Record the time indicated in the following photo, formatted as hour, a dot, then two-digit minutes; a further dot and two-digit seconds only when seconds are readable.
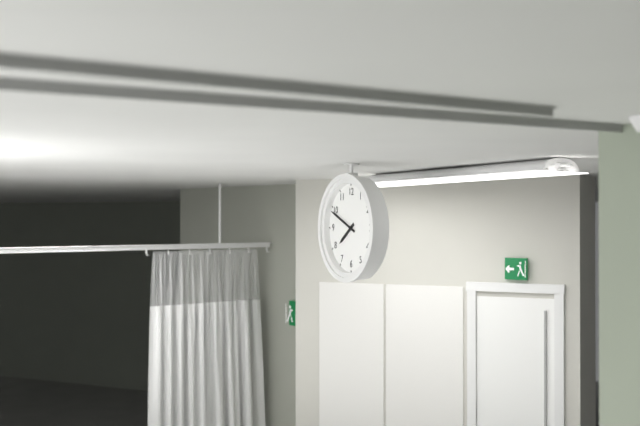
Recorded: 7.49
